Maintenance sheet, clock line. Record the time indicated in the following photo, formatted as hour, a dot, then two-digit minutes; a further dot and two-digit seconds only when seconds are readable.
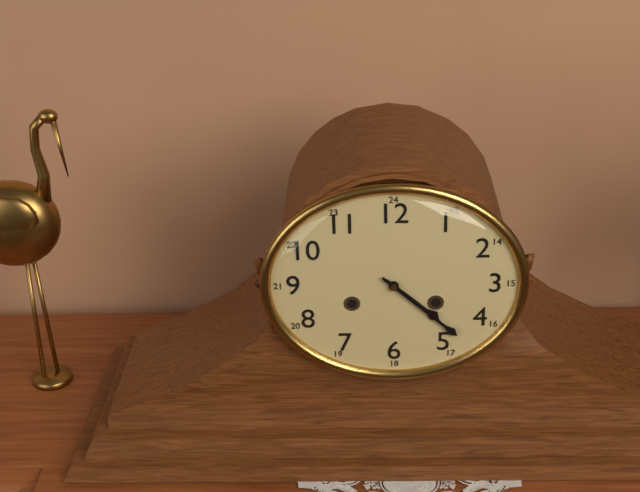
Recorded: 4.22
